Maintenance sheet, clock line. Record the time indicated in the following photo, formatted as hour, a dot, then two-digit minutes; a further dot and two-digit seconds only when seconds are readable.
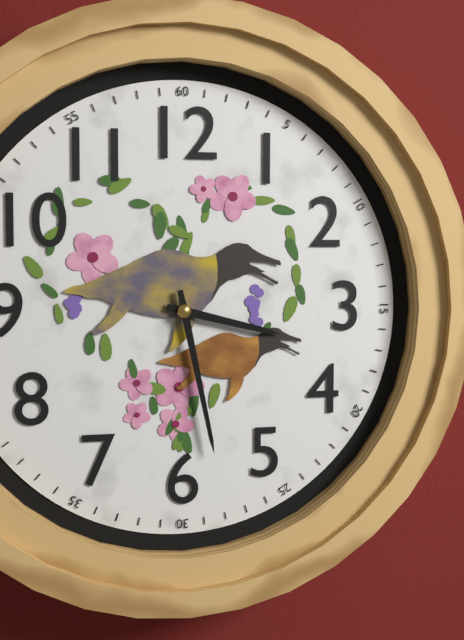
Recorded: 3.28
